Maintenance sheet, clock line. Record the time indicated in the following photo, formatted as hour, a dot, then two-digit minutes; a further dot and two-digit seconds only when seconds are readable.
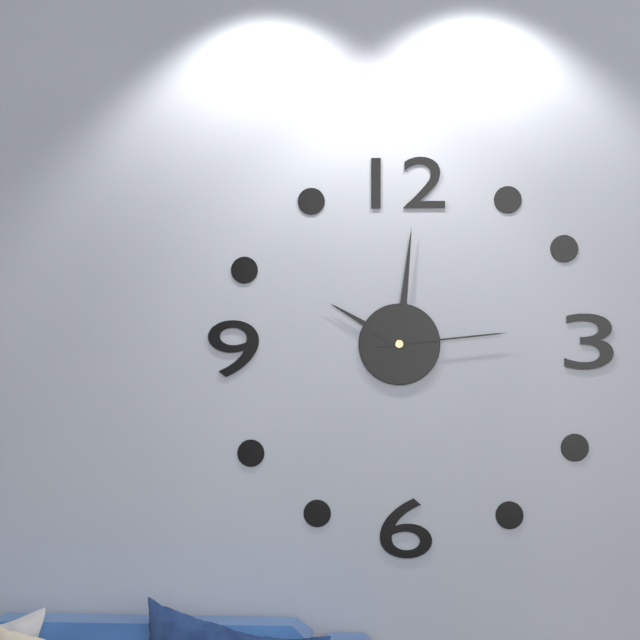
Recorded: 10.01.14
